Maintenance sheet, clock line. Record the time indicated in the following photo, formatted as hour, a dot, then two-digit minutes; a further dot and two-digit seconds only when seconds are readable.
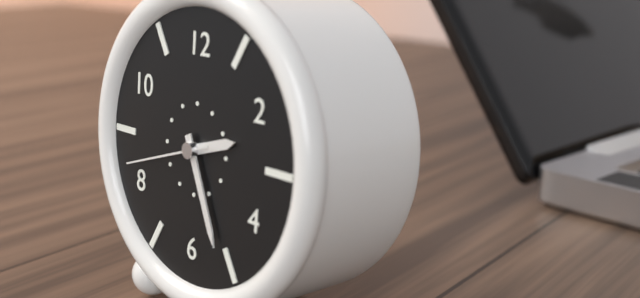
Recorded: 2.26.42
